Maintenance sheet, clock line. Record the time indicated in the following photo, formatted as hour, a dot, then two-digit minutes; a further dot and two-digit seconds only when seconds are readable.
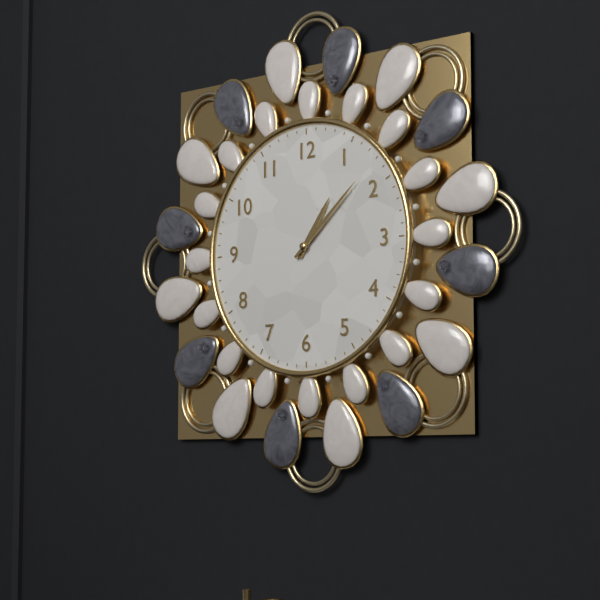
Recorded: 1.08
